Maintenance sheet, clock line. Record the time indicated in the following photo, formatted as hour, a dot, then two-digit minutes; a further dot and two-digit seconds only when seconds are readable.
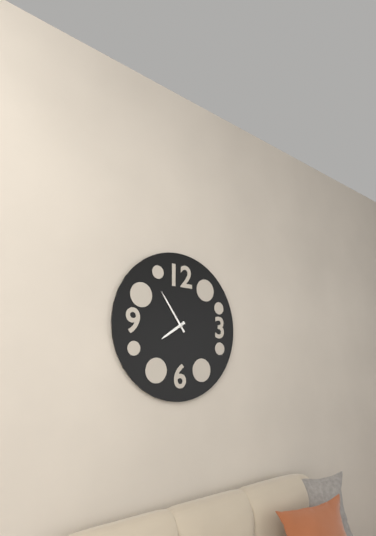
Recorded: 7.54
